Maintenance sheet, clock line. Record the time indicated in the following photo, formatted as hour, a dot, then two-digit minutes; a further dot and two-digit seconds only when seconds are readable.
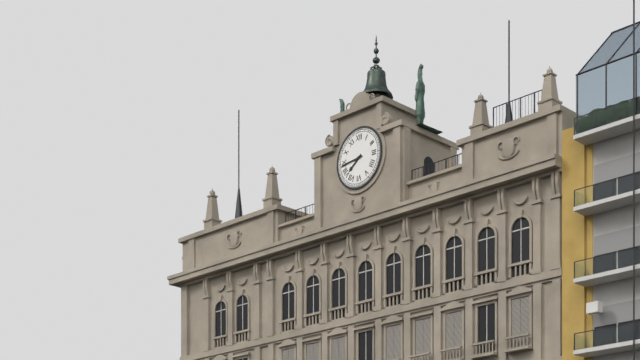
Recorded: 7.44
